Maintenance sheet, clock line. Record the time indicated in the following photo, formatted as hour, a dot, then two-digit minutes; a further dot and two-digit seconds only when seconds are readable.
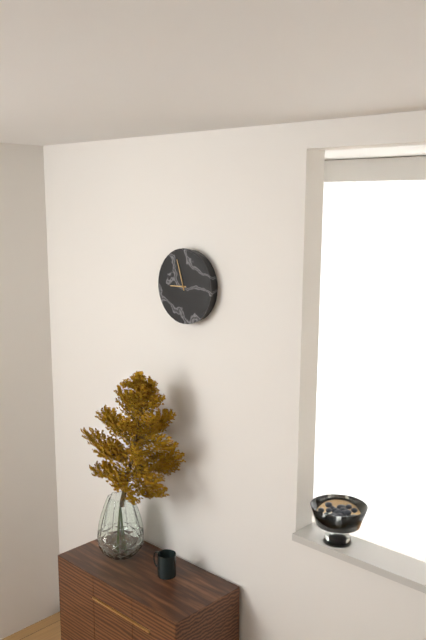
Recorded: 8.57
